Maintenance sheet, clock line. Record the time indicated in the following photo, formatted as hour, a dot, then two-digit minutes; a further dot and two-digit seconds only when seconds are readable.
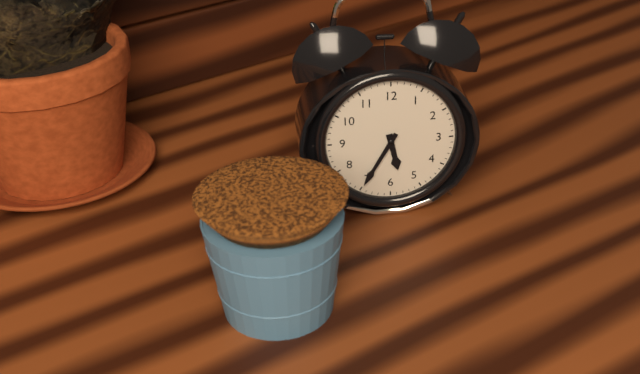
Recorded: 5.35
